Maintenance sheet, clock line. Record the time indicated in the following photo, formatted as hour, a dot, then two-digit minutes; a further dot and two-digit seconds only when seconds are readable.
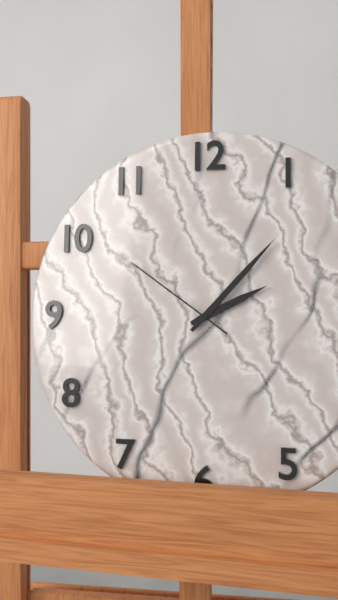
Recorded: 2.07.51
